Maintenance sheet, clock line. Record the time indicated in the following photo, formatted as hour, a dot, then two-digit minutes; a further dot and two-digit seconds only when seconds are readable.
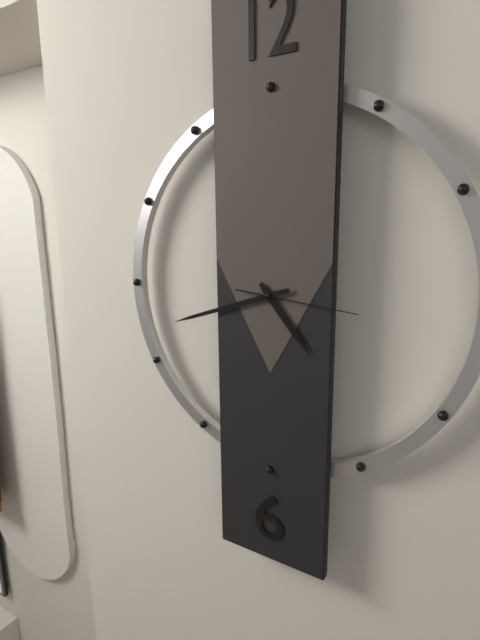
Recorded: 4.42.16
